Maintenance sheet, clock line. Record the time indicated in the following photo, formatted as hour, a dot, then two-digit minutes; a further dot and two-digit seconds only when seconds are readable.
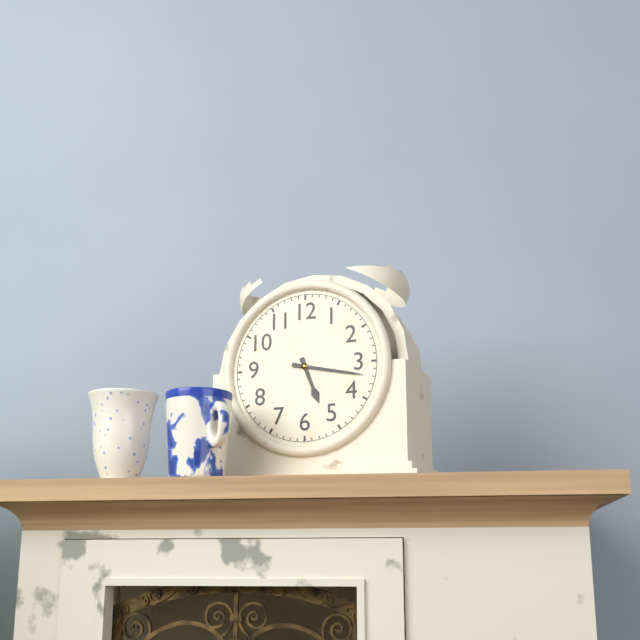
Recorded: 5.17
